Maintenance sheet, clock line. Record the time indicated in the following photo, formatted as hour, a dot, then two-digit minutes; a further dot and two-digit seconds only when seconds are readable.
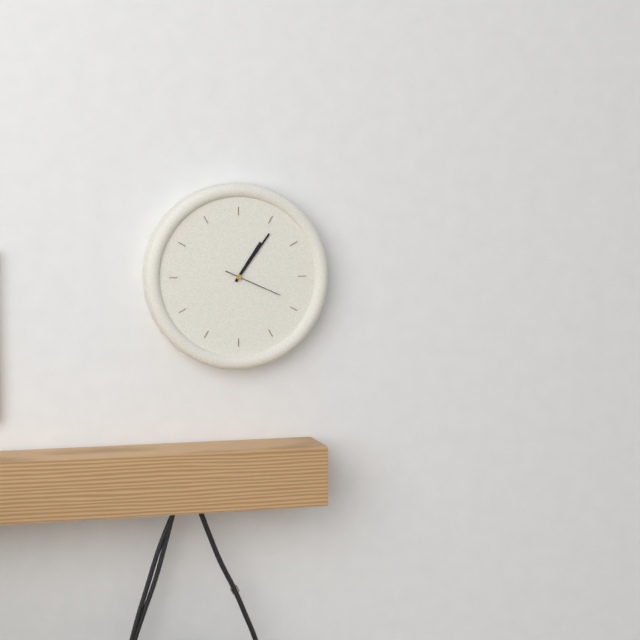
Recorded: 1.06.19
